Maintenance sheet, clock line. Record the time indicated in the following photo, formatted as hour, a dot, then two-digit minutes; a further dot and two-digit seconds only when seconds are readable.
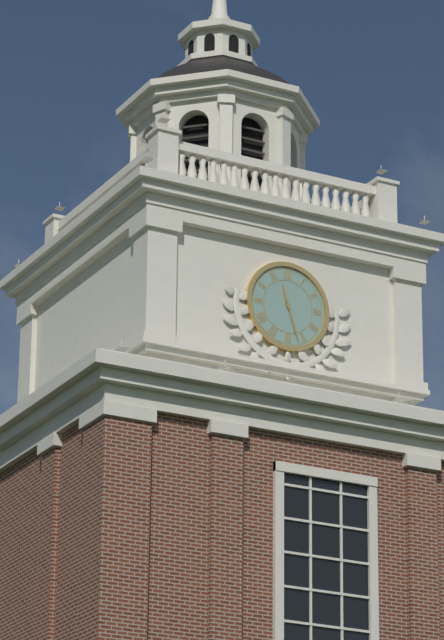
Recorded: 11.27
